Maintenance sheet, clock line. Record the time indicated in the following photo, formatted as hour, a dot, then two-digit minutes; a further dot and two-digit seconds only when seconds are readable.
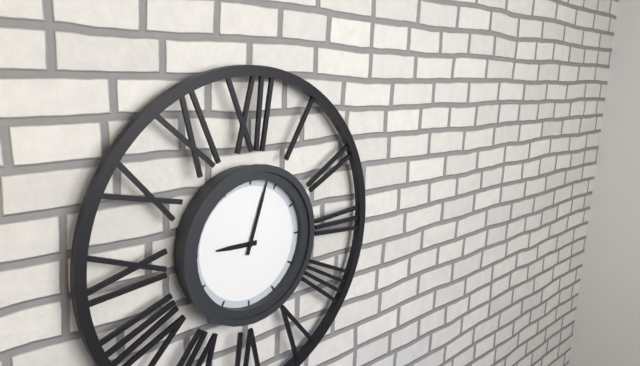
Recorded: 9.03
